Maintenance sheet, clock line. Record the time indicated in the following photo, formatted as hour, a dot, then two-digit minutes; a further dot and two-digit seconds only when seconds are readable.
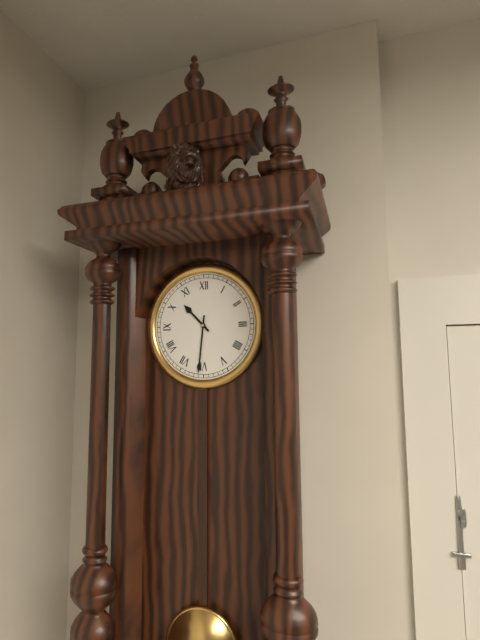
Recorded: 10.31
